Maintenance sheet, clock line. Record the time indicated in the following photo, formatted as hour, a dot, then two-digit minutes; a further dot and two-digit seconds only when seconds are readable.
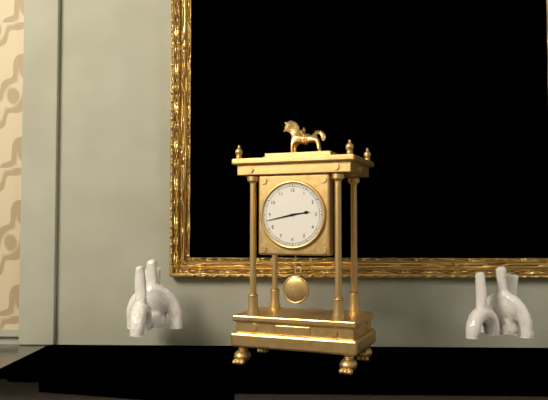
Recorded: 2.43
